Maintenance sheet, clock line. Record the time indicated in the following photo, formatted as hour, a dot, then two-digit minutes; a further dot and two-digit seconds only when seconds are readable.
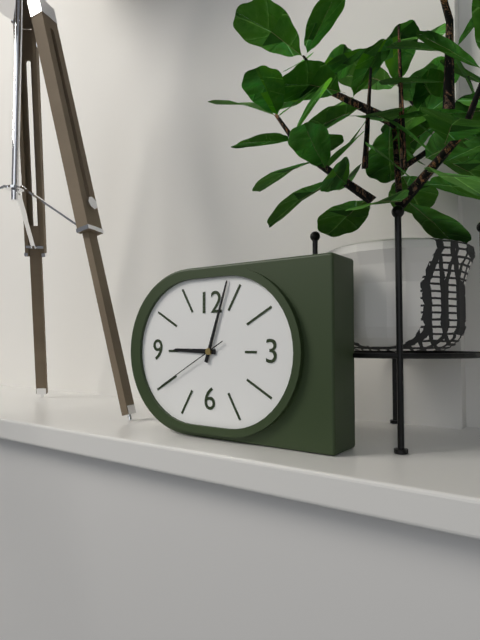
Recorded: 9.03.40
